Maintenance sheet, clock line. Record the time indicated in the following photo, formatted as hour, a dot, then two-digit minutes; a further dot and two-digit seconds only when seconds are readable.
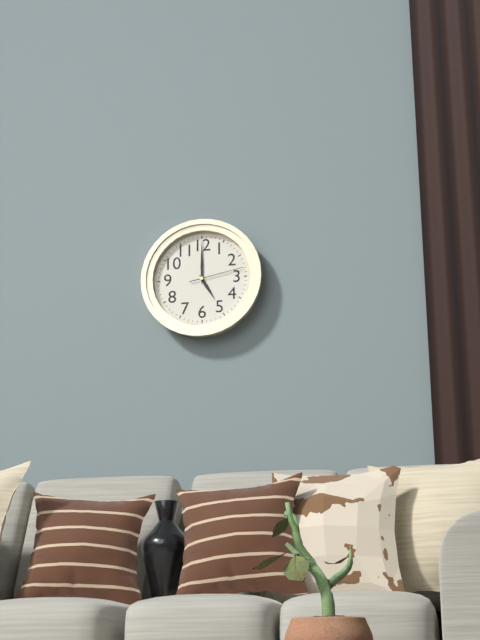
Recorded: 5.00.13
